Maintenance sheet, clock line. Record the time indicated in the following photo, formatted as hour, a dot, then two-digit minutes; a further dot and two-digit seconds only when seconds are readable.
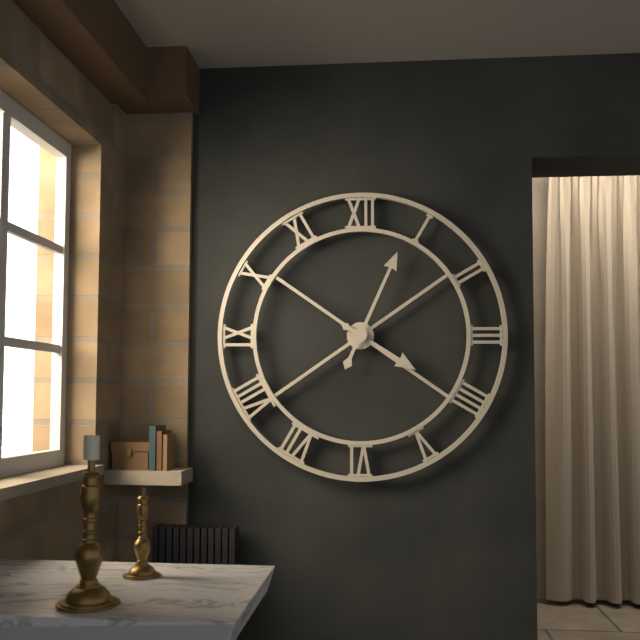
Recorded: 4.04
